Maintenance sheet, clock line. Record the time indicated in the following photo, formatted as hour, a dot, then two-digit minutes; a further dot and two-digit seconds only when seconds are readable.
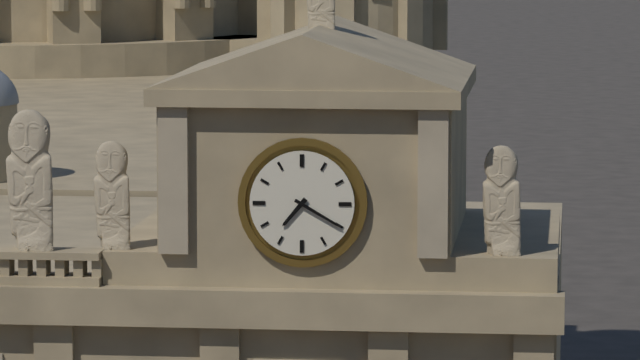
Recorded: 7.20
